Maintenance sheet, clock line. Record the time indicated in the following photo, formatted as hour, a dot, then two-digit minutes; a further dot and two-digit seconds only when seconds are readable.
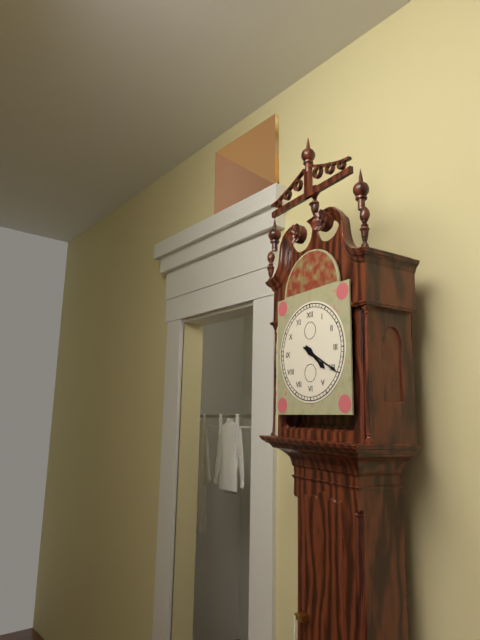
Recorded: 4.20
